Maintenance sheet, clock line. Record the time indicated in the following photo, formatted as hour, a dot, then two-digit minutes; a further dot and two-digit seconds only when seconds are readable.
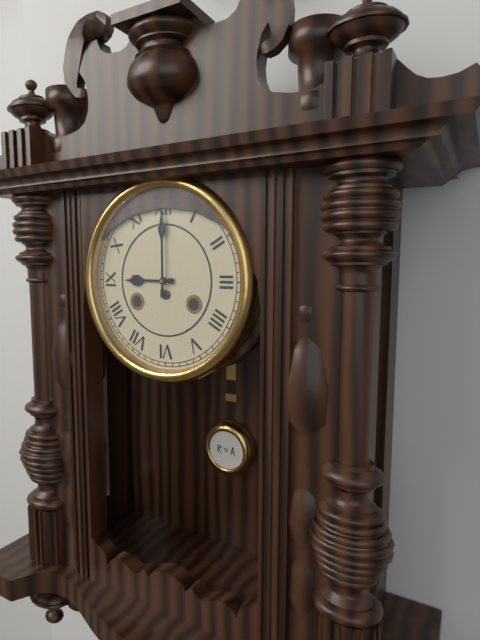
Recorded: 9.00
